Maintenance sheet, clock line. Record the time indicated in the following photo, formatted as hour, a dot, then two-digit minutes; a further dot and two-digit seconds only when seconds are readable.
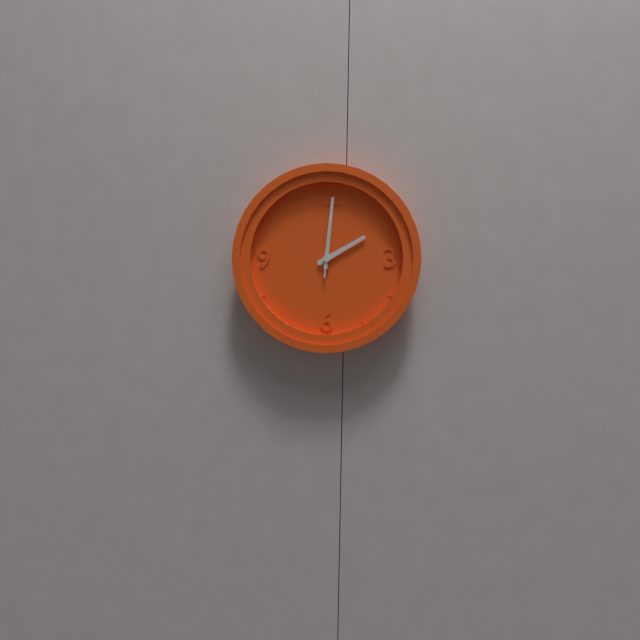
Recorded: 2.01.01
